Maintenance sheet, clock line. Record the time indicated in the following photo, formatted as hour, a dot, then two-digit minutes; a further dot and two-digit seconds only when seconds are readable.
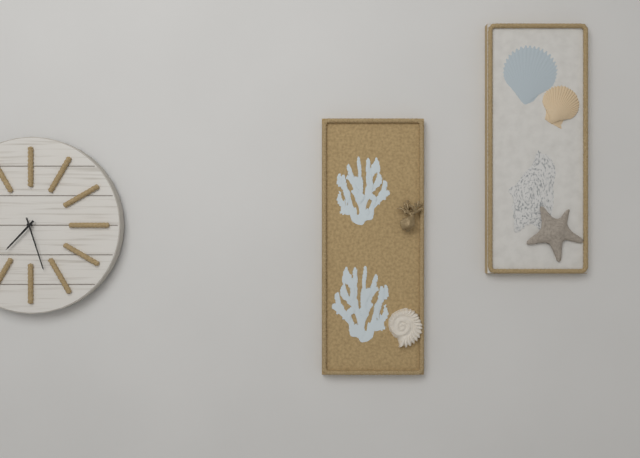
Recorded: 7.27
